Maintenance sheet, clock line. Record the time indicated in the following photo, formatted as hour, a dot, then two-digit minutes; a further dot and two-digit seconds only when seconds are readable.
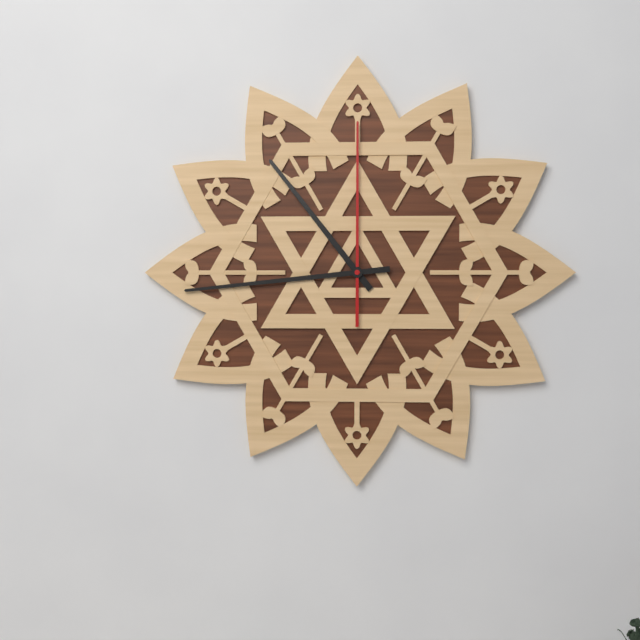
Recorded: 10.44.00
